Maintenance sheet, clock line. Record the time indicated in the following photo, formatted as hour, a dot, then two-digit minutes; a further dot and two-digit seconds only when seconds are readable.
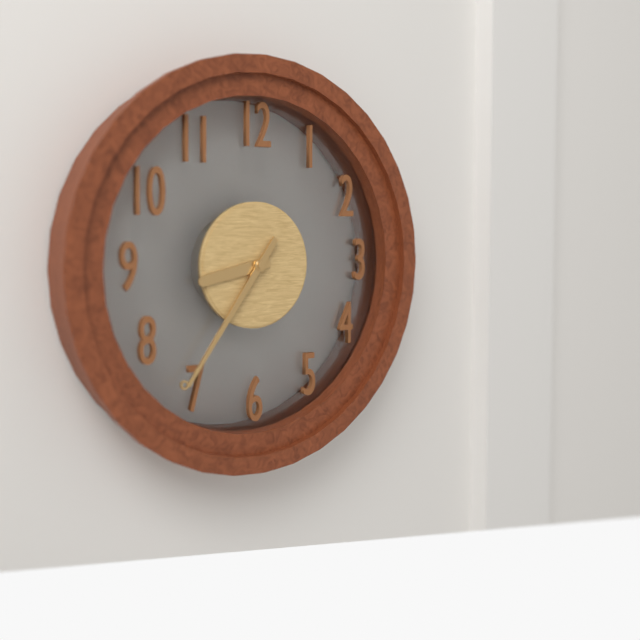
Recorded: 8.36
